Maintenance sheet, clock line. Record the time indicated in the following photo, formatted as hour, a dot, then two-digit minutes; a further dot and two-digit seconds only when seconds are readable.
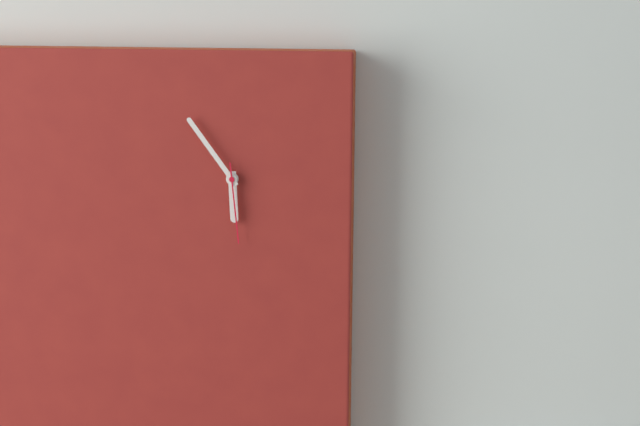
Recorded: 5.54.29
